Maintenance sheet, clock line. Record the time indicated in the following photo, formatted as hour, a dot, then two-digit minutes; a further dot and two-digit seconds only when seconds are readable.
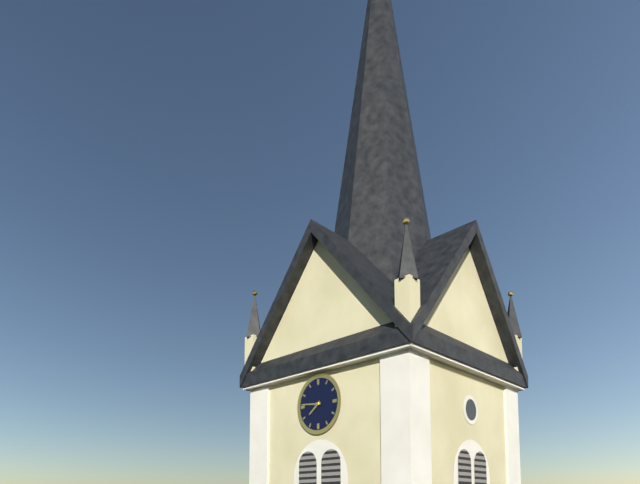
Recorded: 7.46
